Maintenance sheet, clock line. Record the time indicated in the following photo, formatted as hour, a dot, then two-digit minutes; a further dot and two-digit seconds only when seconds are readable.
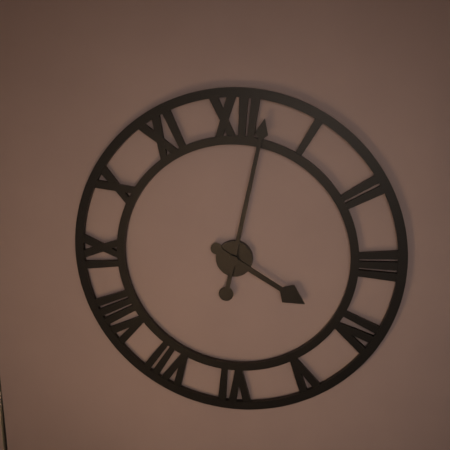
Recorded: 4.02
